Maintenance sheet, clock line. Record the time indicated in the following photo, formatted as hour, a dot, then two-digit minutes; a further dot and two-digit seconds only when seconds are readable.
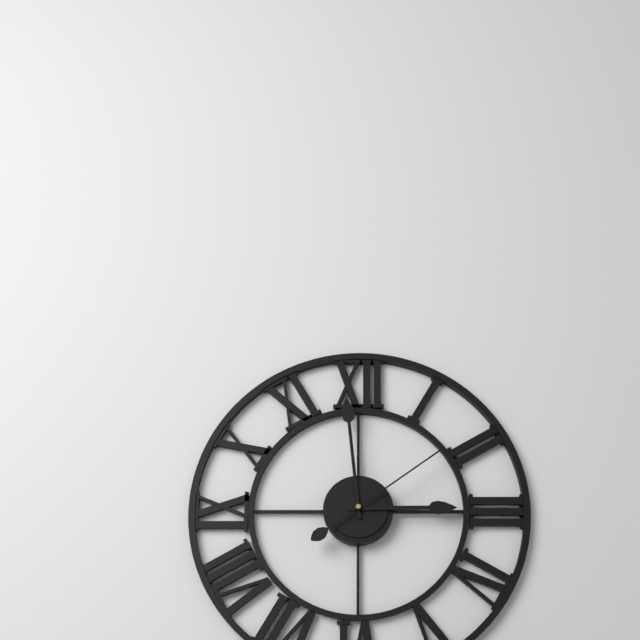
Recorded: 2.59.09
